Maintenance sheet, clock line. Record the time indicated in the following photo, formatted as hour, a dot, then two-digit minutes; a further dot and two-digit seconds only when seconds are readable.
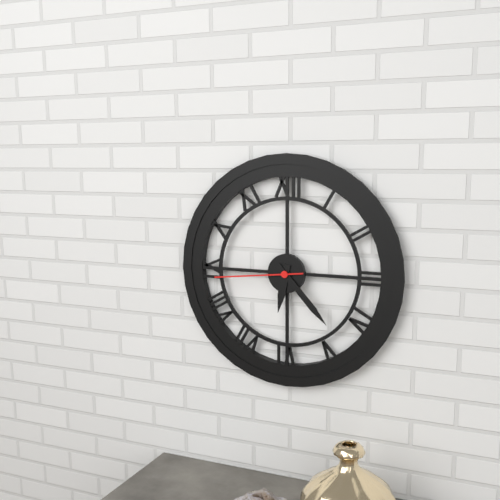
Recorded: 6.23.44
